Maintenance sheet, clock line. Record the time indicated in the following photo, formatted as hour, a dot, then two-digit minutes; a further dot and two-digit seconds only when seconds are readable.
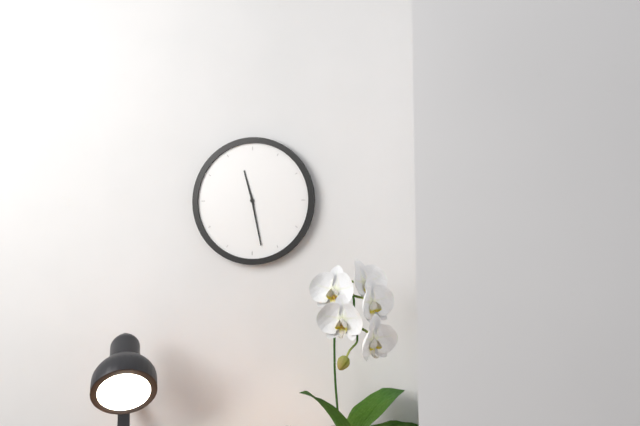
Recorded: 11.28
